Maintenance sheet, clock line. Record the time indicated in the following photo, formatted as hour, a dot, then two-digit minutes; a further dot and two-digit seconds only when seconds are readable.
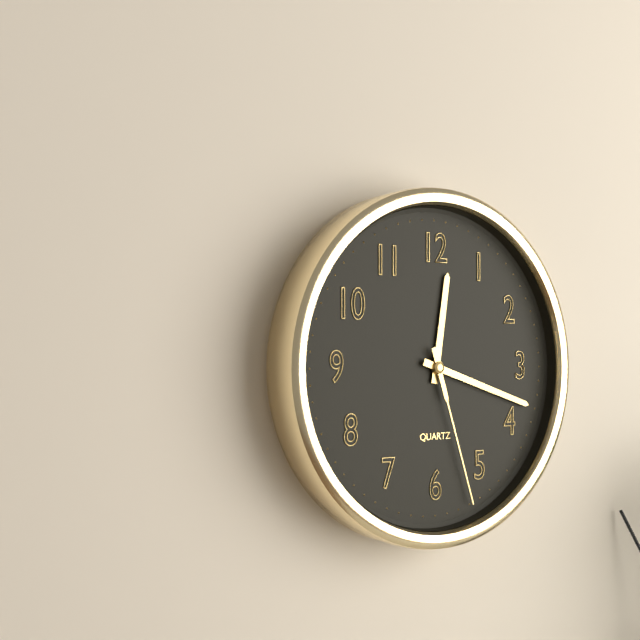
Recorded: 12.18.27
